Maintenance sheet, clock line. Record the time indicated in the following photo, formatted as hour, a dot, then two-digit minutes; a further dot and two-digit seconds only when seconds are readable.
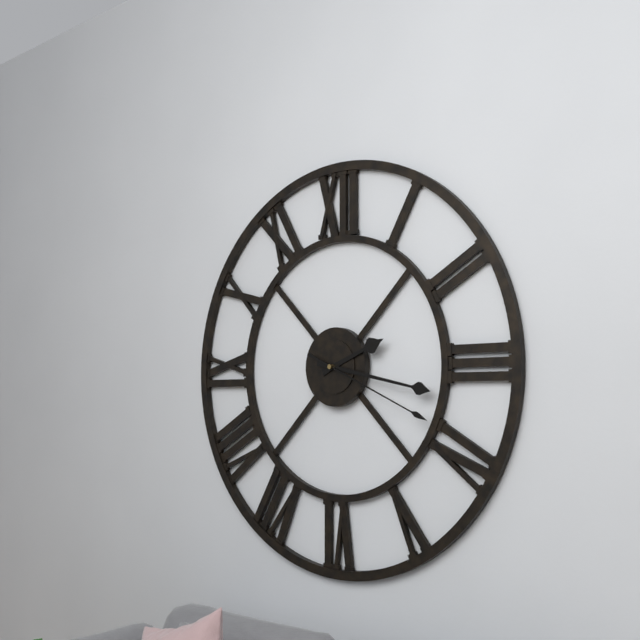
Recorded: 2.17.19
